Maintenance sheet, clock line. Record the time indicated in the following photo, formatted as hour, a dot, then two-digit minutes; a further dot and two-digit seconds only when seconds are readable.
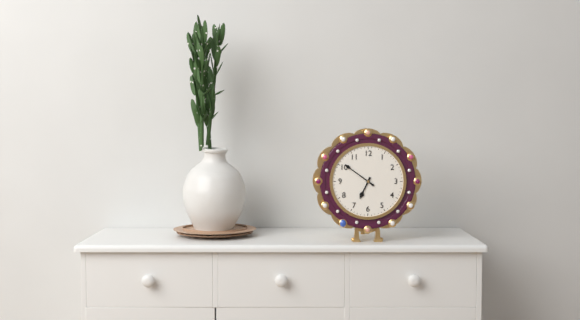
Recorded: 6.51
